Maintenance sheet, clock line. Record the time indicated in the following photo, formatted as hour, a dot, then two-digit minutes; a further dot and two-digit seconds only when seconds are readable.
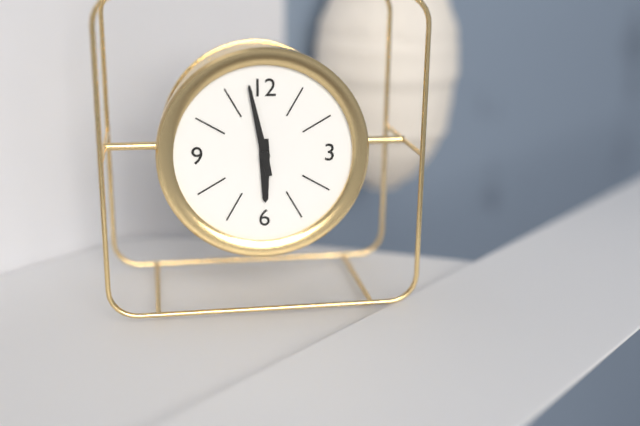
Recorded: 5.58
